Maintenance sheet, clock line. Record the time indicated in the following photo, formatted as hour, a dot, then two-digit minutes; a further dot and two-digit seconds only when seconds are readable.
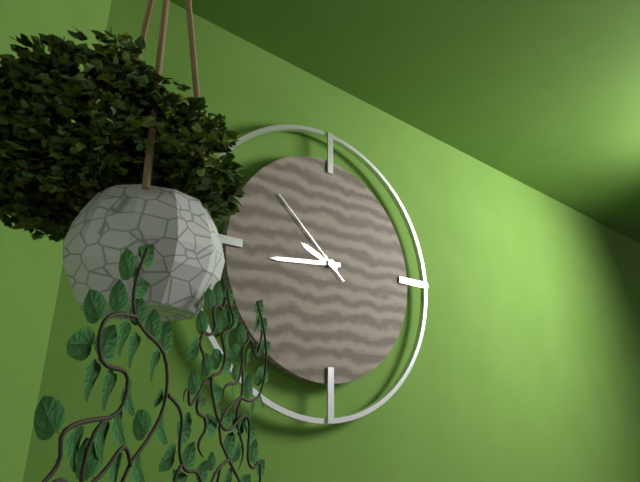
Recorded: 9.44.52
